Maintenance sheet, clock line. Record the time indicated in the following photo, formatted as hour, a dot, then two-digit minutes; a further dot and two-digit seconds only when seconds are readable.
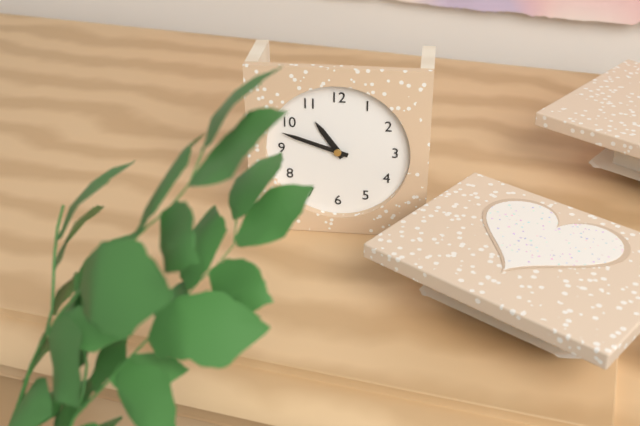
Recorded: 10.48
